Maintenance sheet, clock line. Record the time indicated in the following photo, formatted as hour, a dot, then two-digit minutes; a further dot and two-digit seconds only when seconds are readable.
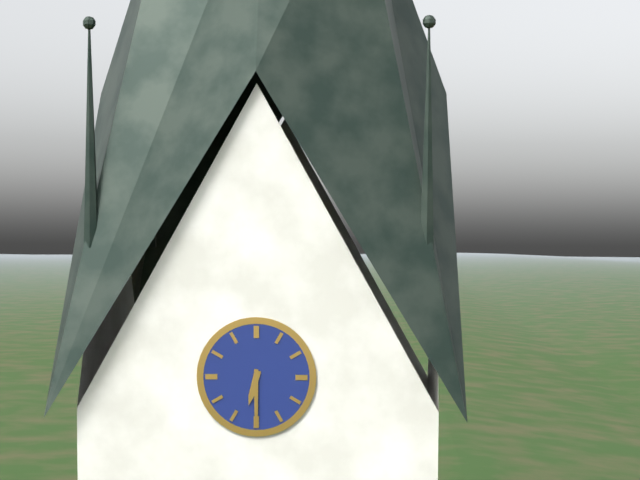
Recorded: 6.30
